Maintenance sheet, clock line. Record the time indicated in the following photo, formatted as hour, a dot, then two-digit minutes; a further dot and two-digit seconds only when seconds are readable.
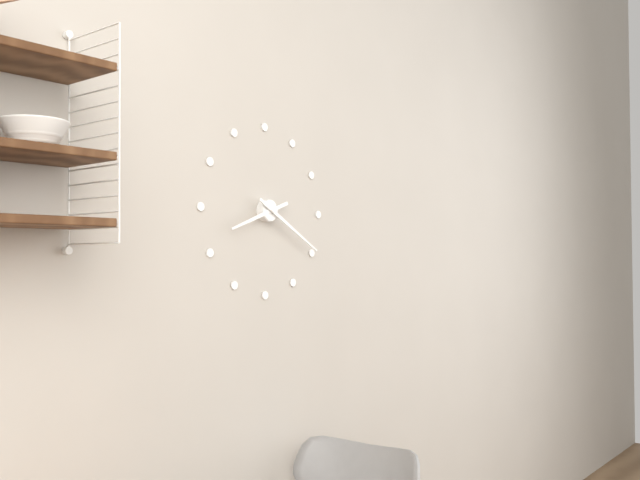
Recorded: 8.20
